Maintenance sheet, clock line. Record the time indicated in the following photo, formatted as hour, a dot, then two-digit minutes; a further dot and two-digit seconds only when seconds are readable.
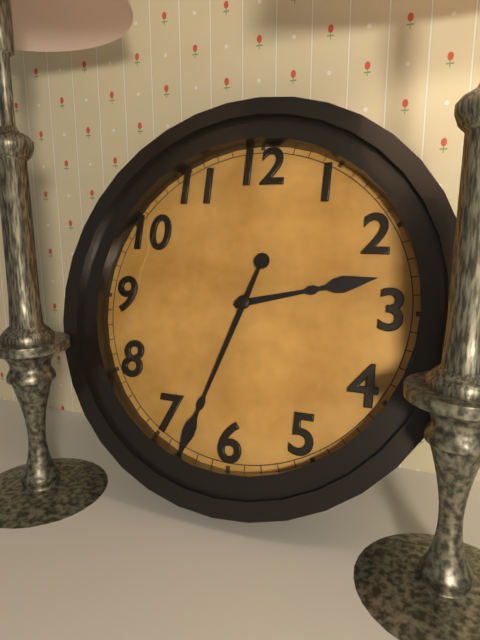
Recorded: 2.33
